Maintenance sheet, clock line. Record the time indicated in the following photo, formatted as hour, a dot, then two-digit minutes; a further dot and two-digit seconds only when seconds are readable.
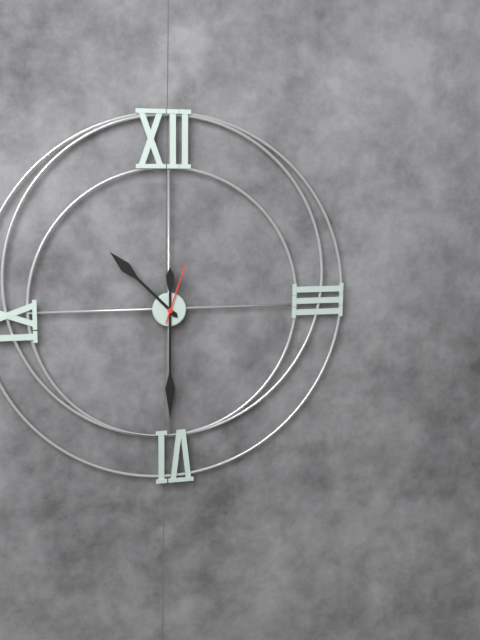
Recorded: 10.30.03
